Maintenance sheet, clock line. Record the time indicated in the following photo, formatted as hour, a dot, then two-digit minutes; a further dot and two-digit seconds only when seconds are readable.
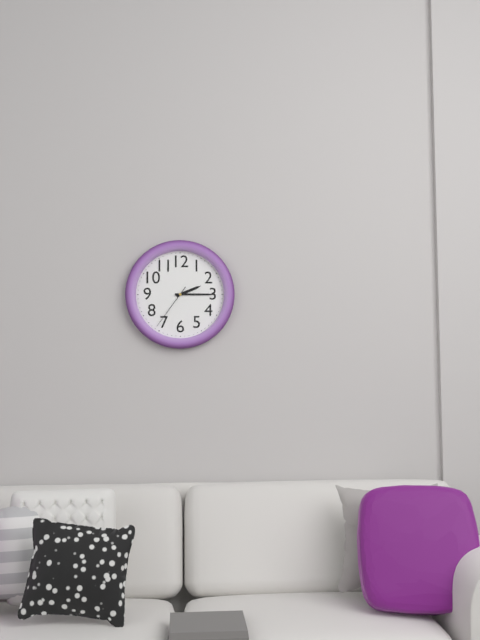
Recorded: 2.15
